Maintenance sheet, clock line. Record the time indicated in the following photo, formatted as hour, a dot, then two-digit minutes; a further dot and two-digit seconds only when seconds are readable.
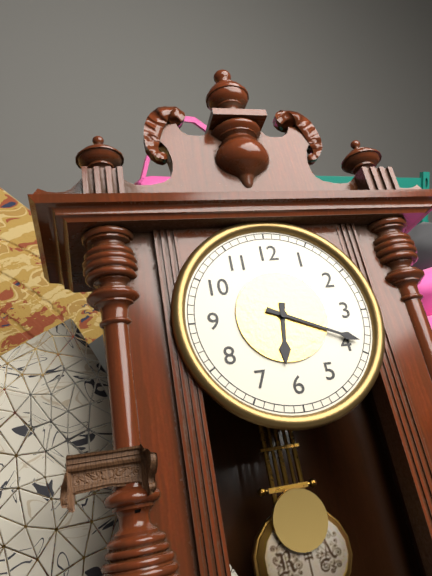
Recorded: 6.19
